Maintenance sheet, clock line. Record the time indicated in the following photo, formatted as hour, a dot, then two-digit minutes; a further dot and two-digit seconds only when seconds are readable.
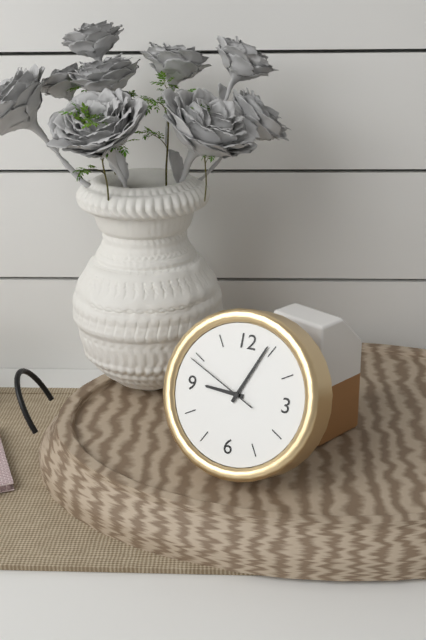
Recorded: 9.04.49
